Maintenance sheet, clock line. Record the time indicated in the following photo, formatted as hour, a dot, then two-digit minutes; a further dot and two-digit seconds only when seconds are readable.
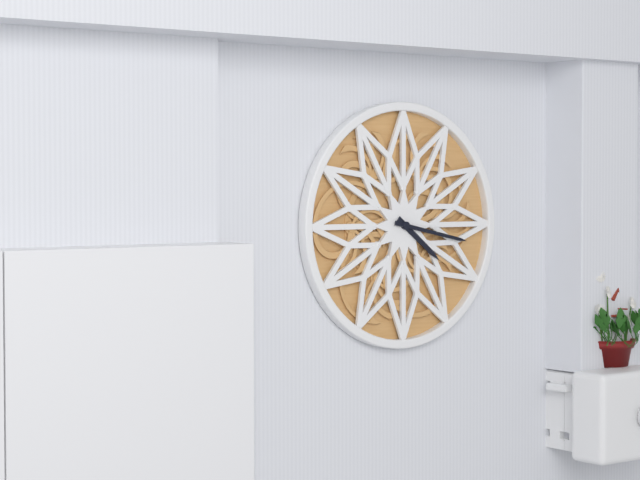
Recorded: 4.17
